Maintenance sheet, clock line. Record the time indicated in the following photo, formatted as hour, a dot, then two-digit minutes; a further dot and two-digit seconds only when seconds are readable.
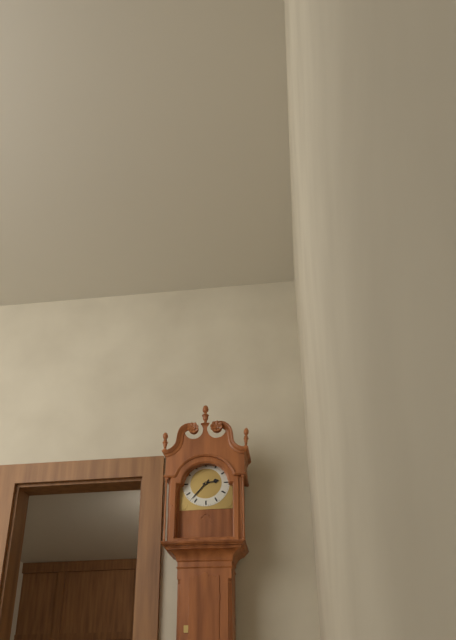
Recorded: 2.37
